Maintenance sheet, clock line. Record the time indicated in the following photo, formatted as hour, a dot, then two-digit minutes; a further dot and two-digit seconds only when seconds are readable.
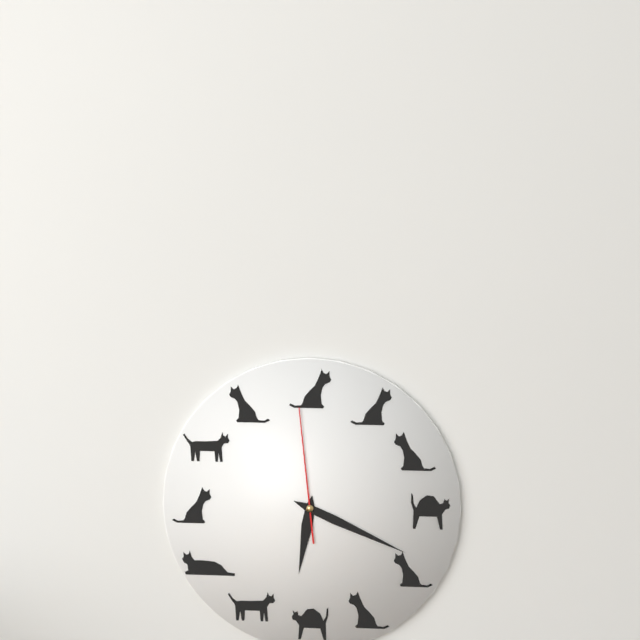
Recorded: 6.19.59
